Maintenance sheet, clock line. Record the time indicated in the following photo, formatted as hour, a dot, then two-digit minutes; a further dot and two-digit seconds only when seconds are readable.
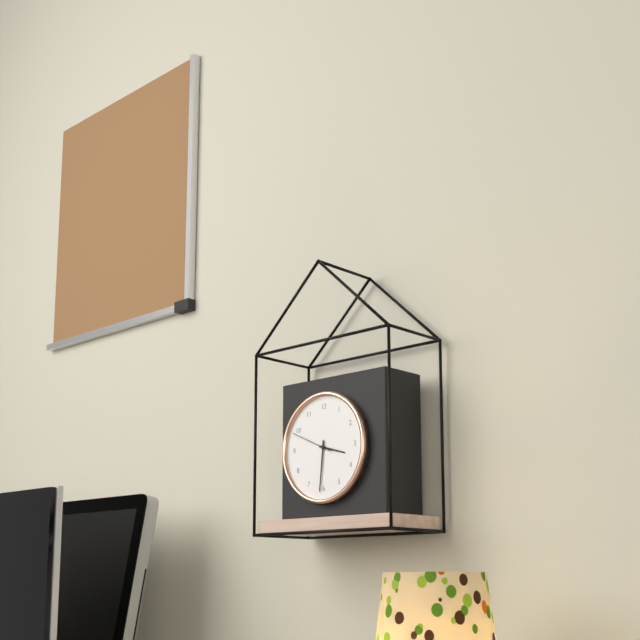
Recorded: 3.31
